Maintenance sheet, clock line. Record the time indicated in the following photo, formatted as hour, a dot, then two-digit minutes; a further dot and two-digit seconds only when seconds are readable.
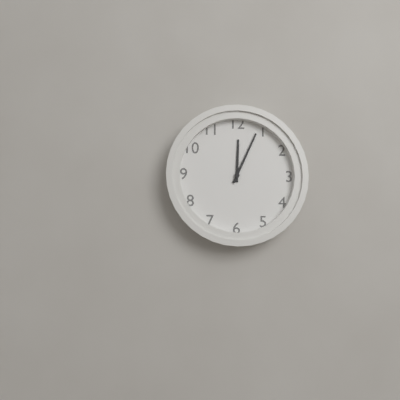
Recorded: 12.04
